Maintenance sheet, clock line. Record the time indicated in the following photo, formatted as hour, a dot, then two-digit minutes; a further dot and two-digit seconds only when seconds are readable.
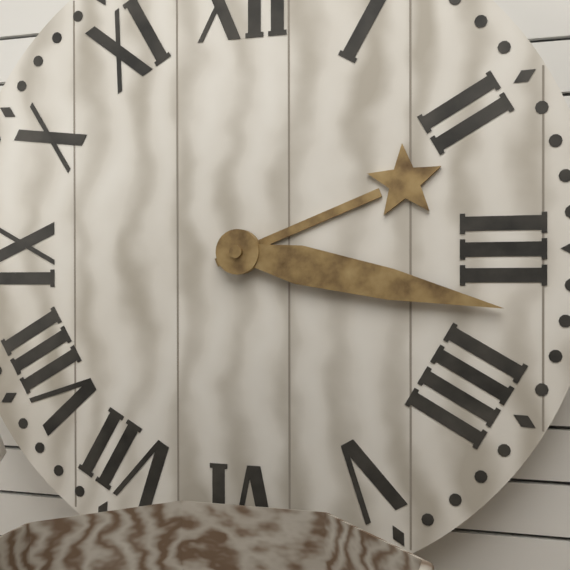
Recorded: 2.17
